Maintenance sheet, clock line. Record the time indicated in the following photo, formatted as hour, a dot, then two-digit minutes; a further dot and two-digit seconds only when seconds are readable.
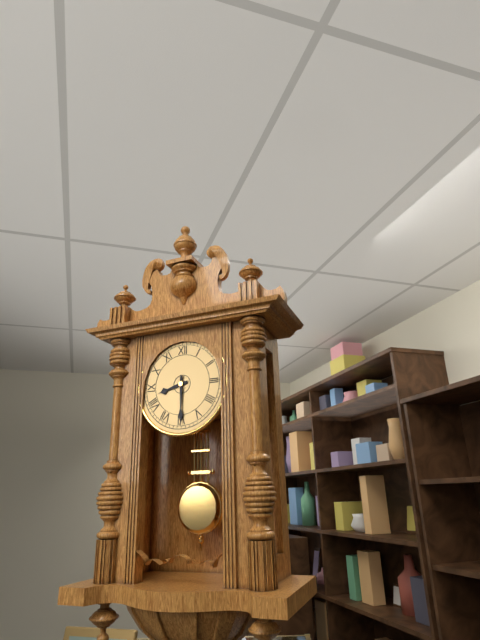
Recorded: 8.30
